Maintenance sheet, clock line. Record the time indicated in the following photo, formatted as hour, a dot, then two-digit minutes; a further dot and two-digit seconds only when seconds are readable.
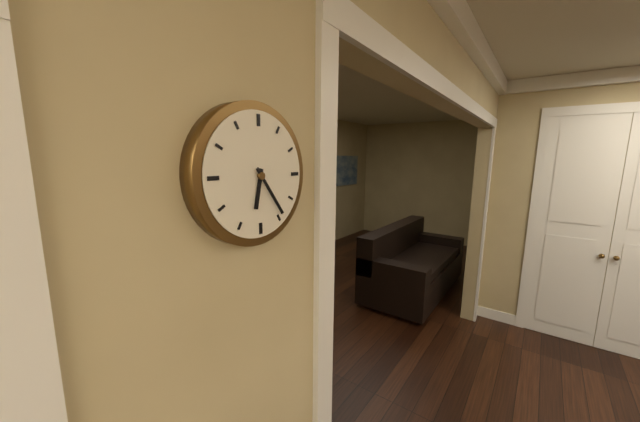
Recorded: 6.24
